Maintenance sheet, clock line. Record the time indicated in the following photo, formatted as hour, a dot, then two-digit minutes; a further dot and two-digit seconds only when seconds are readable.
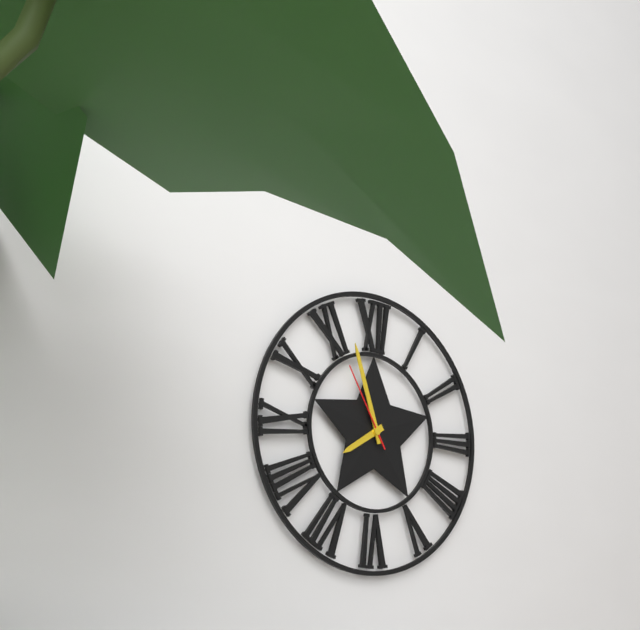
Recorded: 7.57.55
